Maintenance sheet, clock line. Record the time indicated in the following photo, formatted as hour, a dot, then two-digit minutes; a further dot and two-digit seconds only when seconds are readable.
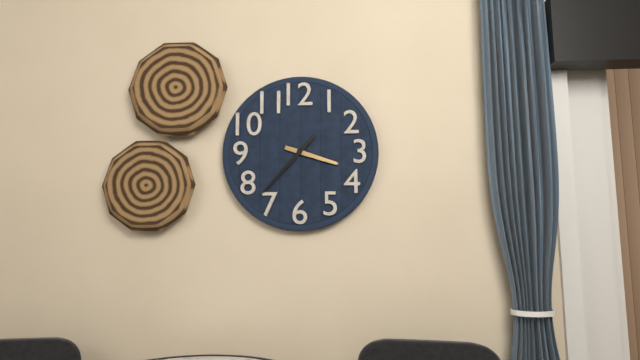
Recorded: 3.37
